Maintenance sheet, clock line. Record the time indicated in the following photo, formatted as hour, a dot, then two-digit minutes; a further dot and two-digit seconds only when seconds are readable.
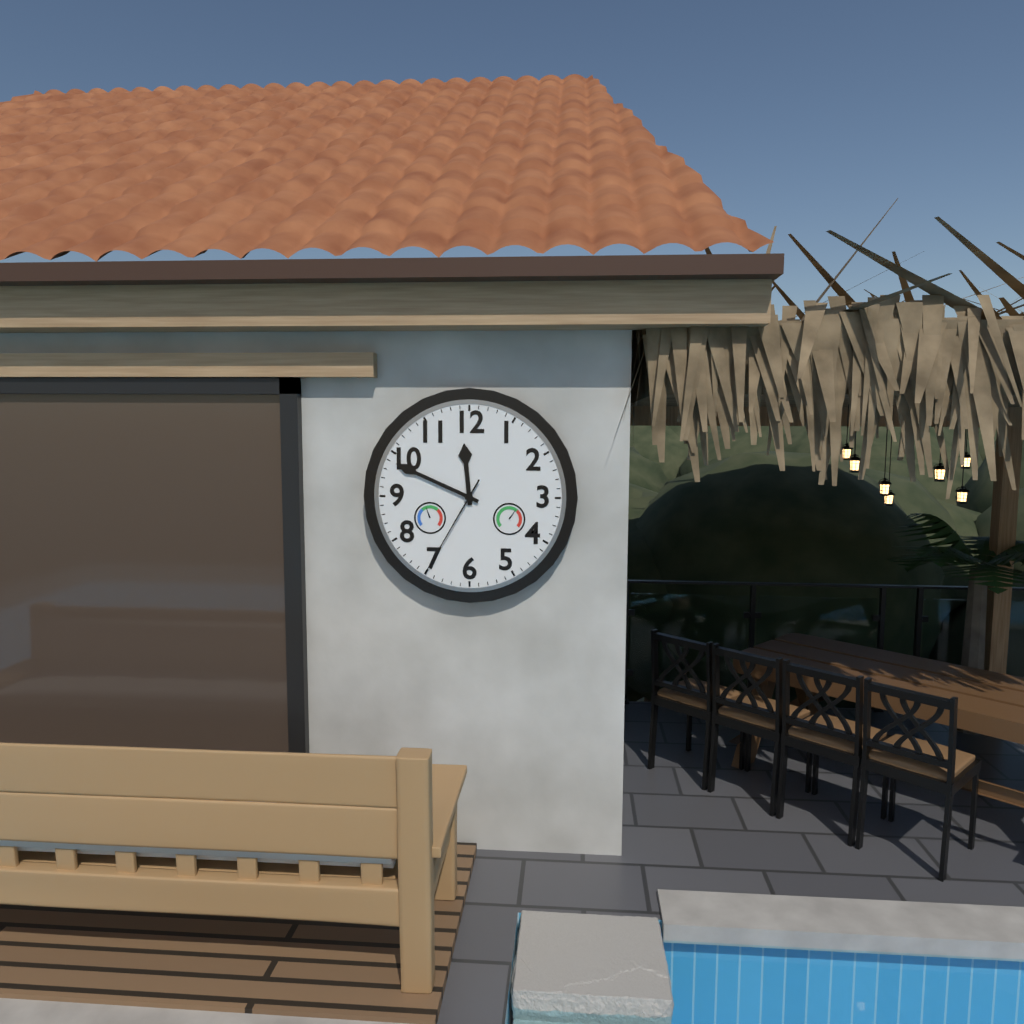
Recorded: 11.49.35
